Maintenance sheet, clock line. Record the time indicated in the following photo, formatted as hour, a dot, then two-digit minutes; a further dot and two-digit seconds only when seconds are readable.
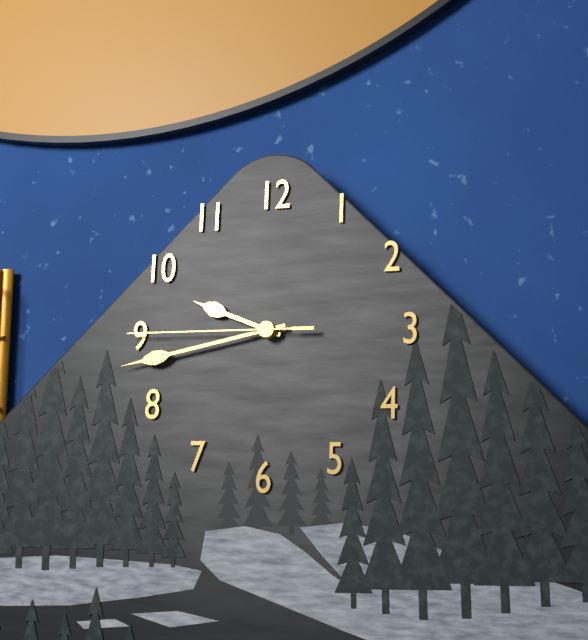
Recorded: 9.43.45
